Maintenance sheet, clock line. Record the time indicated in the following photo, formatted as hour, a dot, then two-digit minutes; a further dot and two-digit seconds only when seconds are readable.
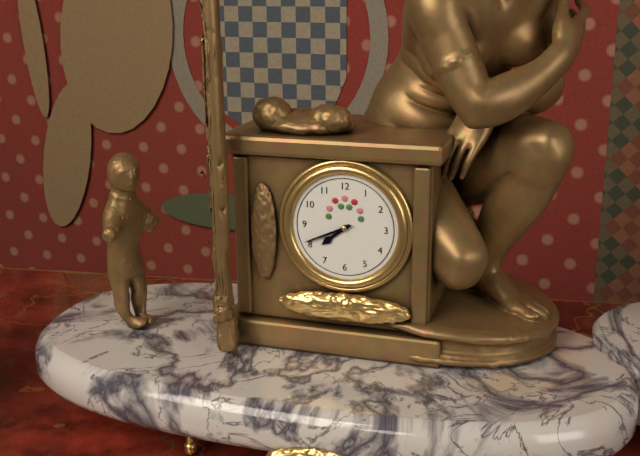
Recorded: 7.41
